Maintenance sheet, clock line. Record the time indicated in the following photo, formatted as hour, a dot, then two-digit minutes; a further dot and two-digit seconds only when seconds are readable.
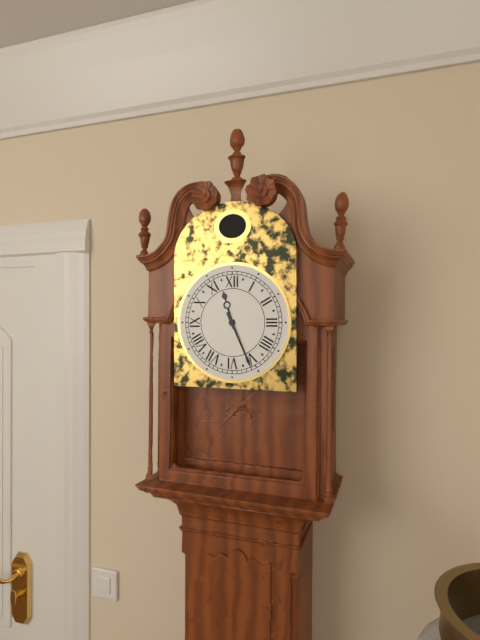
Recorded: 11.26
